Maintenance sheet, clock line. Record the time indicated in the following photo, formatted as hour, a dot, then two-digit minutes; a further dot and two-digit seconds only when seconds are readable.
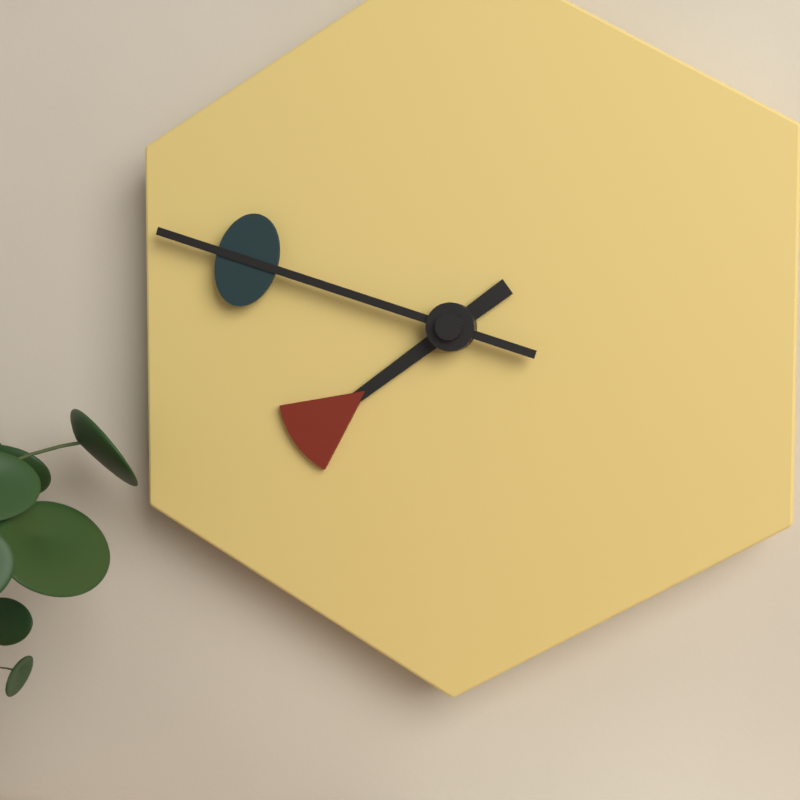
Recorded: 7.48
